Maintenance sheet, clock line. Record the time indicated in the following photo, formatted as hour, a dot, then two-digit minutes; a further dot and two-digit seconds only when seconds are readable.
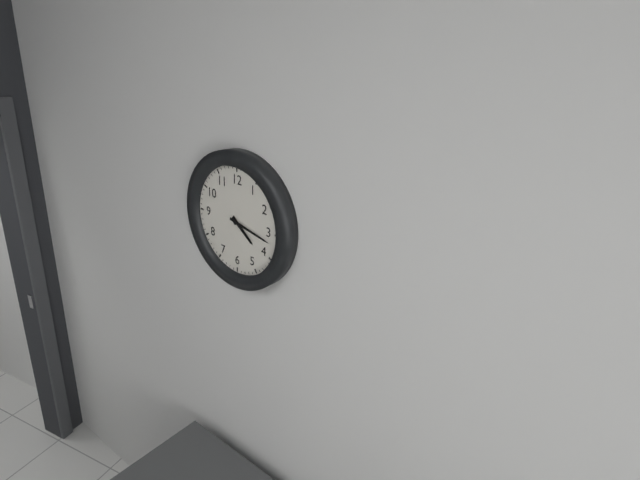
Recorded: 4.17
